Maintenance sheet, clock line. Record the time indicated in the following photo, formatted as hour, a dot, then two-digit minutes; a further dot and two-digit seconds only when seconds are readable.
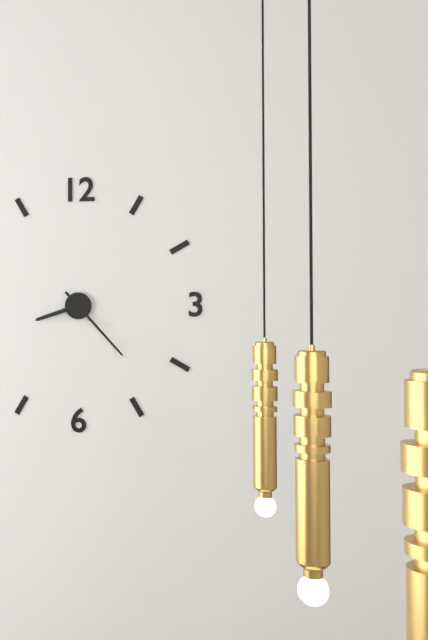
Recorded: 8.23
